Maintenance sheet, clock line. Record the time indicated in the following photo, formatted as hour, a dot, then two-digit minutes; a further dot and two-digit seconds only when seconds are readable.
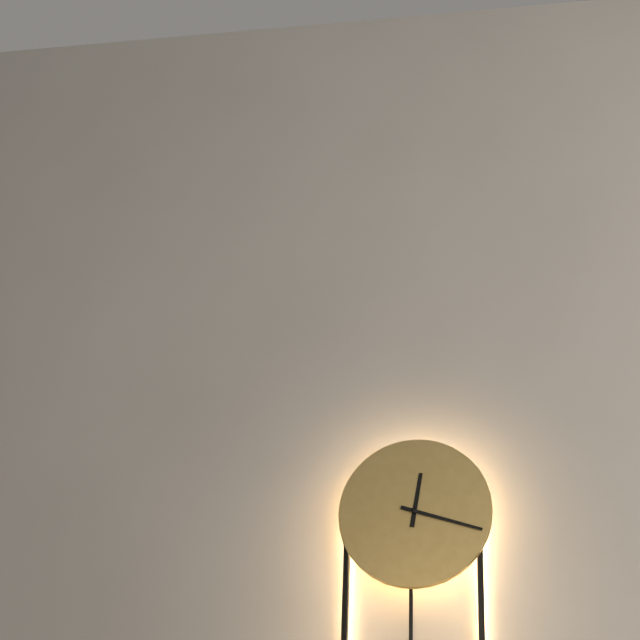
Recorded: 12.18
